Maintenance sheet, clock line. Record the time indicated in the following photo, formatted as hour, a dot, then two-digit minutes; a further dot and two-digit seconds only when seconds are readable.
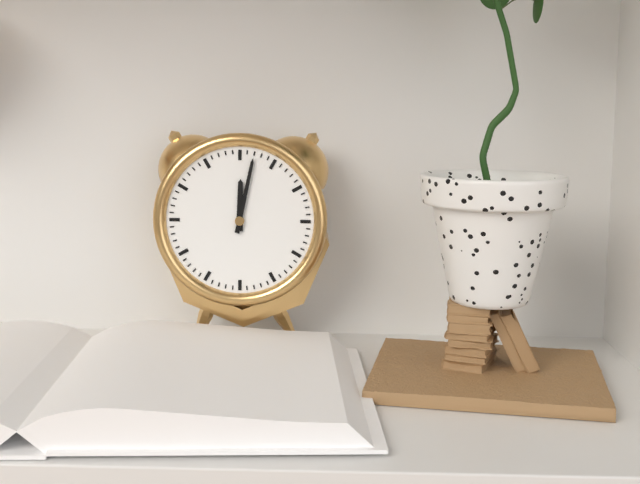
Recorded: 12.02
